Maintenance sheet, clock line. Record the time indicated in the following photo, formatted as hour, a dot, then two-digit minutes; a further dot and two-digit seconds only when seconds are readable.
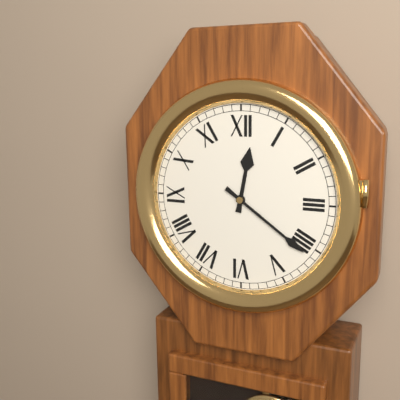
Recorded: 12.21
